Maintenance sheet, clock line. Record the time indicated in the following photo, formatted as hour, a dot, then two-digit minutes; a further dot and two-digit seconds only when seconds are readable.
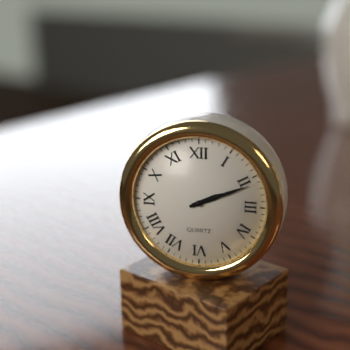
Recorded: 2.11
